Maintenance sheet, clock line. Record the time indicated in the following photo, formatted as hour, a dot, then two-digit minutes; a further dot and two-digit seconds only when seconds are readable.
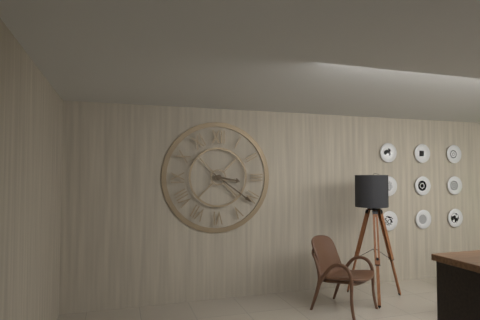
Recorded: 3.21
